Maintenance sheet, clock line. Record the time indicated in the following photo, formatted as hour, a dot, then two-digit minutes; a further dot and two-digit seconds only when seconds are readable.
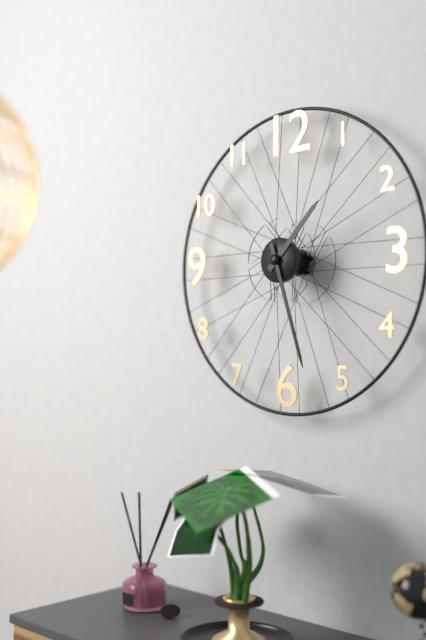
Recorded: 1.27
